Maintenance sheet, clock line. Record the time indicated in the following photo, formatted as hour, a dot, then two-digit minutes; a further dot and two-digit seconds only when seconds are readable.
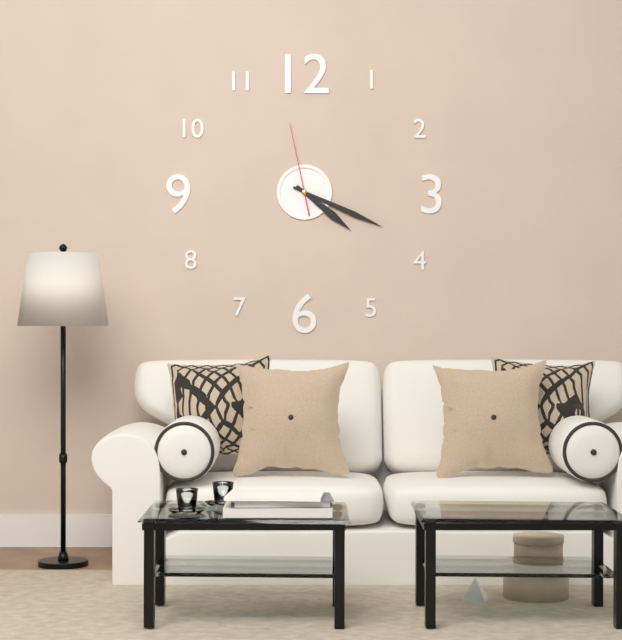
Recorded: 4.19.58
